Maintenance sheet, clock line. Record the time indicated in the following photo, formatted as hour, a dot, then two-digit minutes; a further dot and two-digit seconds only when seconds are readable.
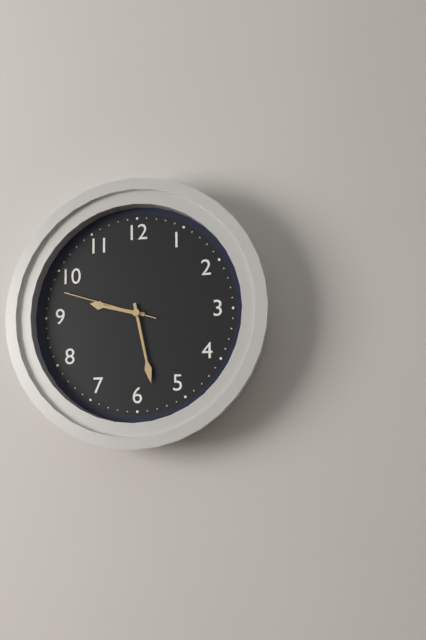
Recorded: 9.28.48
